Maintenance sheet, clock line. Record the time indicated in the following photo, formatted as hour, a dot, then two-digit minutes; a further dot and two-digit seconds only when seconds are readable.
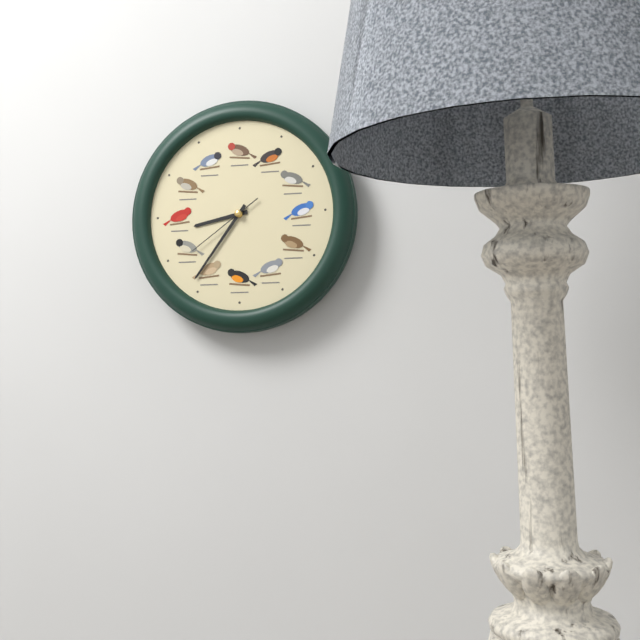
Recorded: 8.36.39
